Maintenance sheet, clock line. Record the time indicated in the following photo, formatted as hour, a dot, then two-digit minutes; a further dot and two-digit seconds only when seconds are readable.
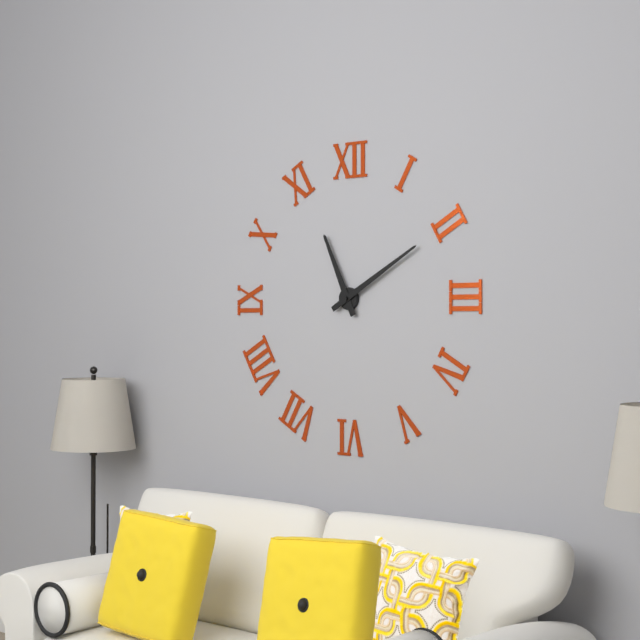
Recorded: 11.10
